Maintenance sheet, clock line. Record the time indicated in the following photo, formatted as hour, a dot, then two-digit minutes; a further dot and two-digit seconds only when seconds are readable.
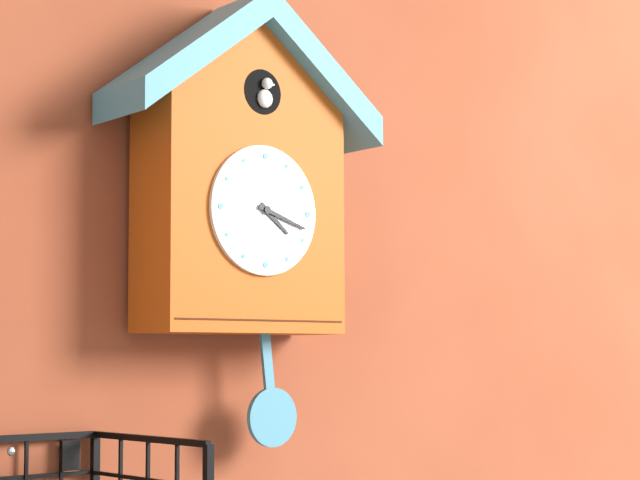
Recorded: 4.18
